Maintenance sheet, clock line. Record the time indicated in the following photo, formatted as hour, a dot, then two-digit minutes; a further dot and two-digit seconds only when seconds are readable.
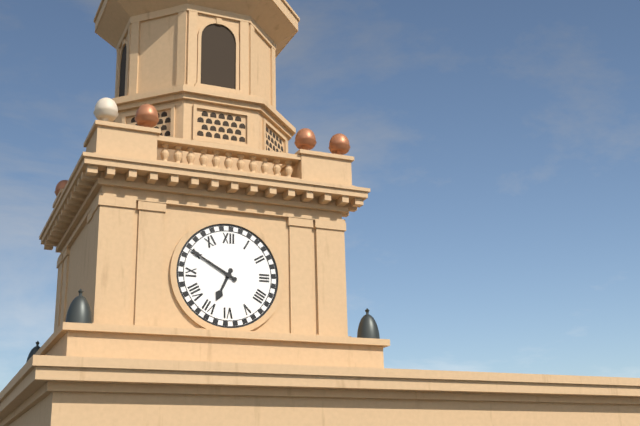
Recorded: 6.50
